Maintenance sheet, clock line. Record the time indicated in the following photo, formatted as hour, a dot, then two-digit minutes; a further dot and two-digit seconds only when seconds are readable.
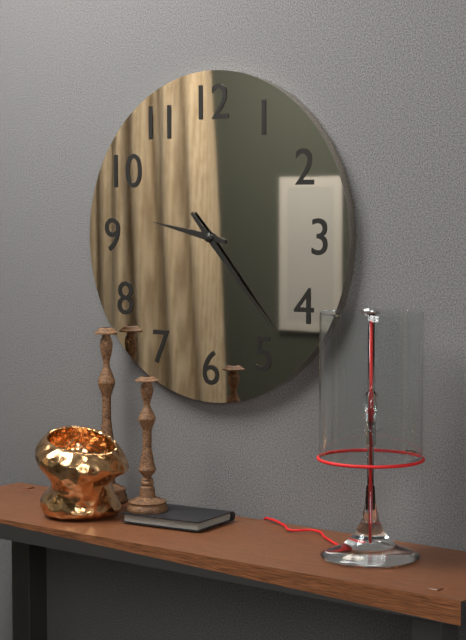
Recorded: 9.23
